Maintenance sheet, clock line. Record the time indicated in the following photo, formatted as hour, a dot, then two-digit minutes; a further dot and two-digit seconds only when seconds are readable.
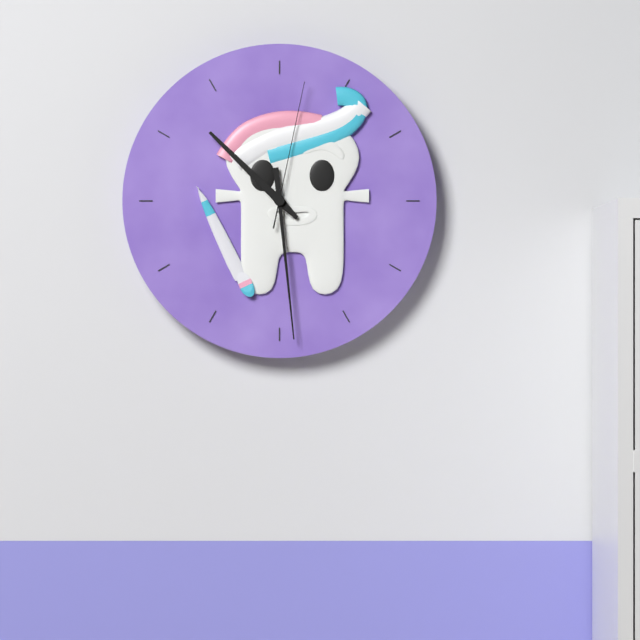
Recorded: 10.29.02
